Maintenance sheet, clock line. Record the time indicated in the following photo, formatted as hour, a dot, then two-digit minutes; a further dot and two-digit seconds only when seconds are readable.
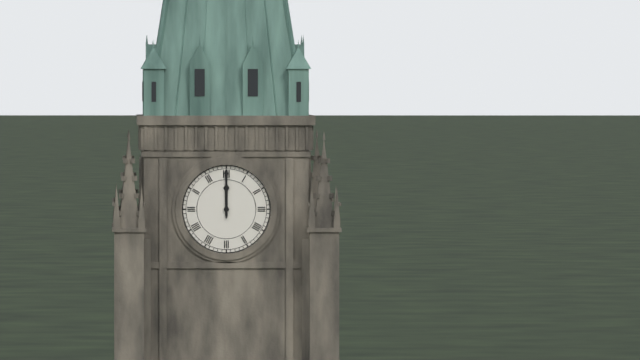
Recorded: 12.00
